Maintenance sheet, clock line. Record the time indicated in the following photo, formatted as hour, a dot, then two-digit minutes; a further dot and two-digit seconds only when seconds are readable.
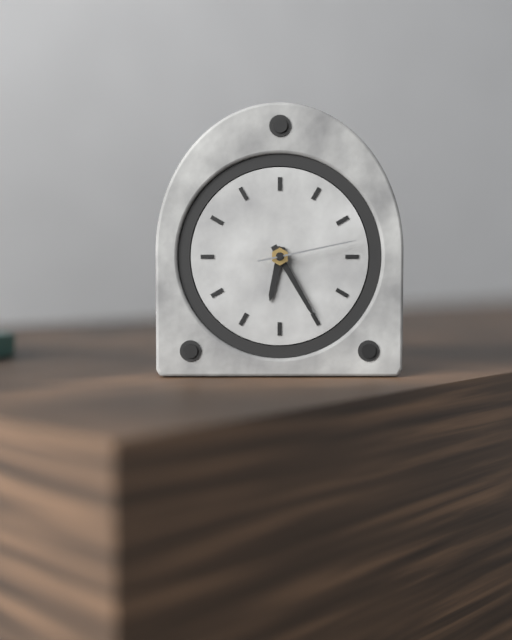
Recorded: 6.25.13
